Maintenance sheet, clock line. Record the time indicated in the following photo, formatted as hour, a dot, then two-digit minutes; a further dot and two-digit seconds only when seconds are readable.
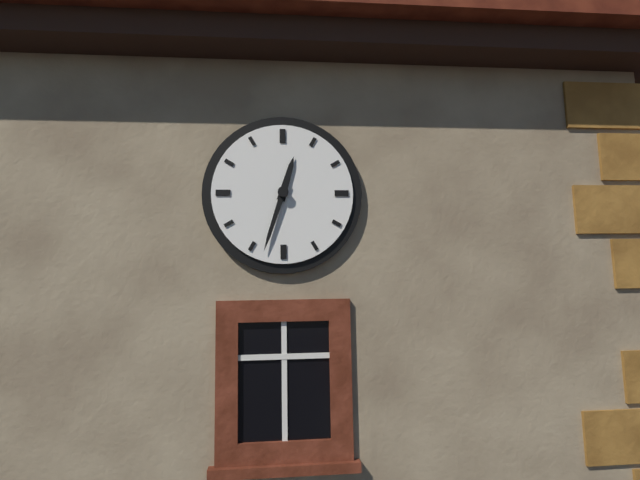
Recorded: 12.33
